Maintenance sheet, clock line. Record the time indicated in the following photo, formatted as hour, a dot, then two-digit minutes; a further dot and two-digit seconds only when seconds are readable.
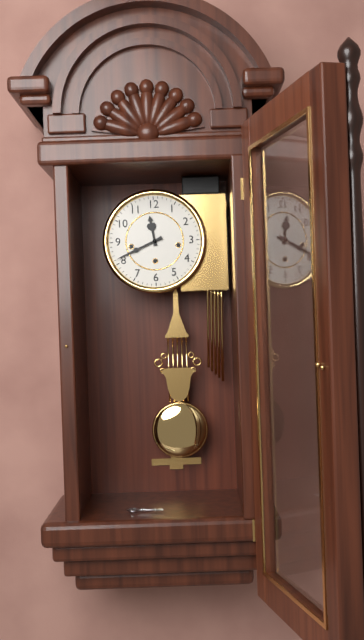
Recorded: 11.41
